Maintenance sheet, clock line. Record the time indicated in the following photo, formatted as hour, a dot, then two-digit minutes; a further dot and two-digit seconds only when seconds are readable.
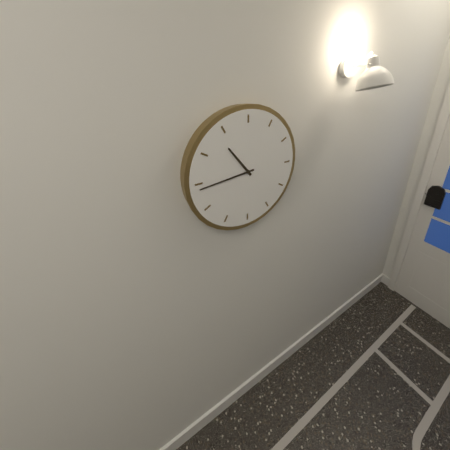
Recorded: 10.44
